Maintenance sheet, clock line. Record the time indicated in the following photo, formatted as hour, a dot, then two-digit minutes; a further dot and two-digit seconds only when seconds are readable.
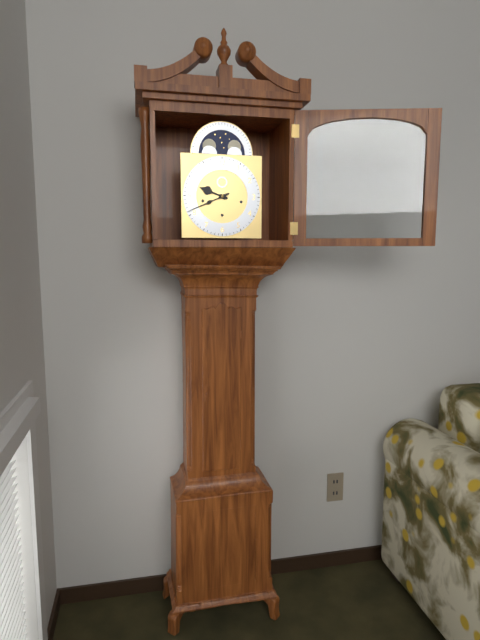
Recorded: 9.41
